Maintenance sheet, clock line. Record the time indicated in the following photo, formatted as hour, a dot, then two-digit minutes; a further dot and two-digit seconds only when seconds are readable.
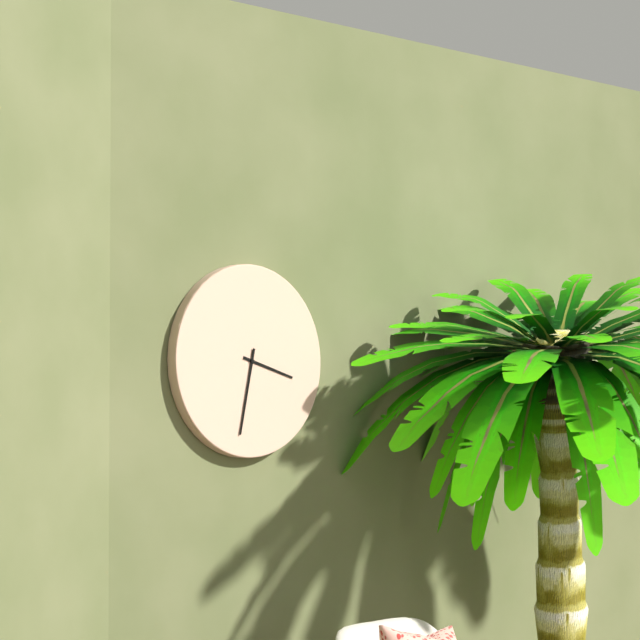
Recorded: 3.32
